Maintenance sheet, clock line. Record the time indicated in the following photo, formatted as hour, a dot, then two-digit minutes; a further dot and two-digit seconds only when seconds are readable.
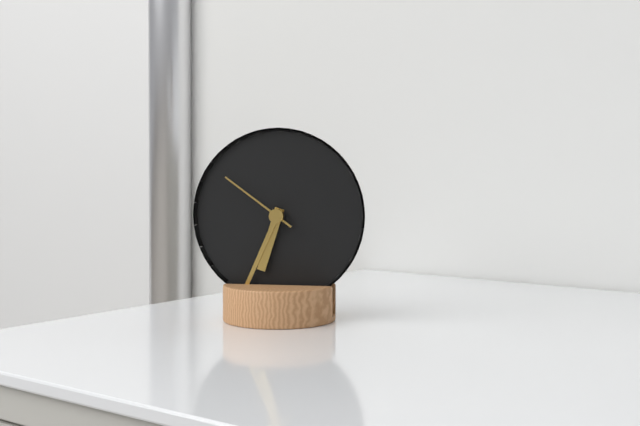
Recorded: 6.34.51
